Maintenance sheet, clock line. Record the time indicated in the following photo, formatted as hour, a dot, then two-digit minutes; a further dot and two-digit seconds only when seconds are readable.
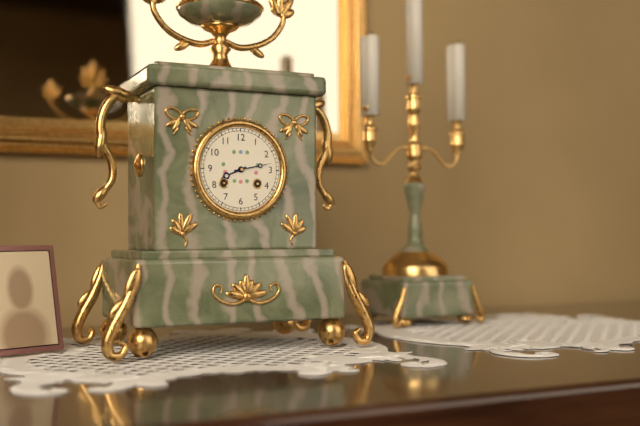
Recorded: 8.13
